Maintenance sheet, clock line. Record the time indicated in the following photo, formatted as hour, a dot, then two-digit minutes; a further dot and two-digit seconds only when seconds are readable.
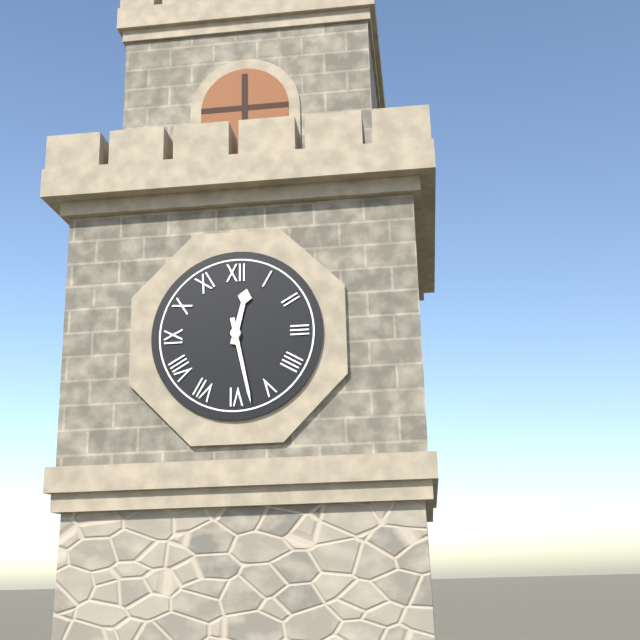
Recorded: 12.28
